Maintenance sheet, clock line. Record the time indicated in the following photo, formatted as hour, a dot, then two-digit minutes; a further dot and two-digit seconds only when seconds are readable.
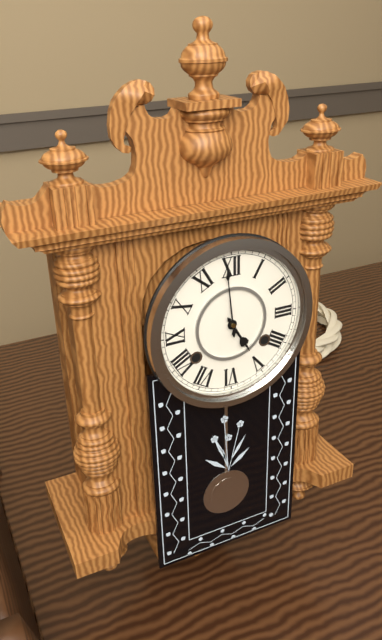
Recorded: 4.59
